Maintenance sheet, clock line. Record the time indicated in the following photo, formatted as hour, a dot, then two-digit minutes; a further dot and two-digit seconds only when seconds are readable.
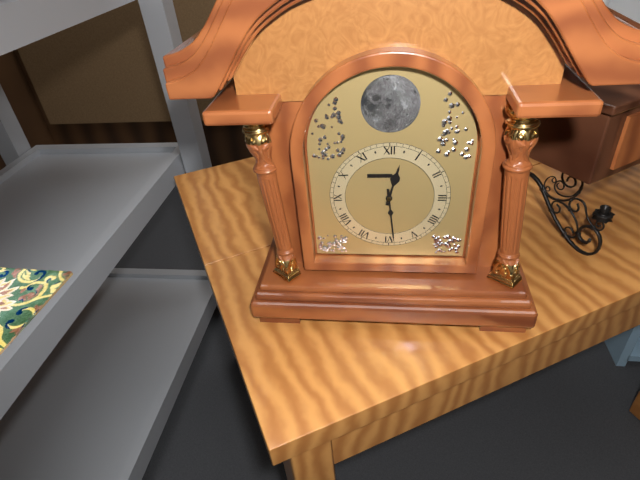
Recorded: 12.29
